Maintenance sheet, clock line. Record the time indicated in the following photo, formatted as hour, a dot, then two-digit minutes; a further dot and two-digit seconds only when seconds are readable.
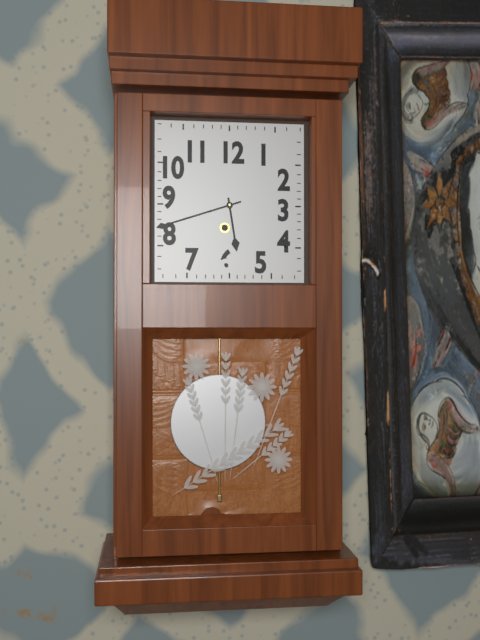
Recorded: 5.42
